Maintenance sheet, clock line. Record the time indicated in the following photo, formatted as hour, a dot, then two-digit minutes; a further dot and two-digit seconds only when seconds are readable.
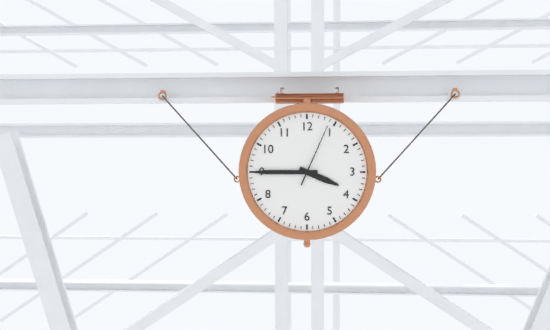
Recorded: 3.45.04
